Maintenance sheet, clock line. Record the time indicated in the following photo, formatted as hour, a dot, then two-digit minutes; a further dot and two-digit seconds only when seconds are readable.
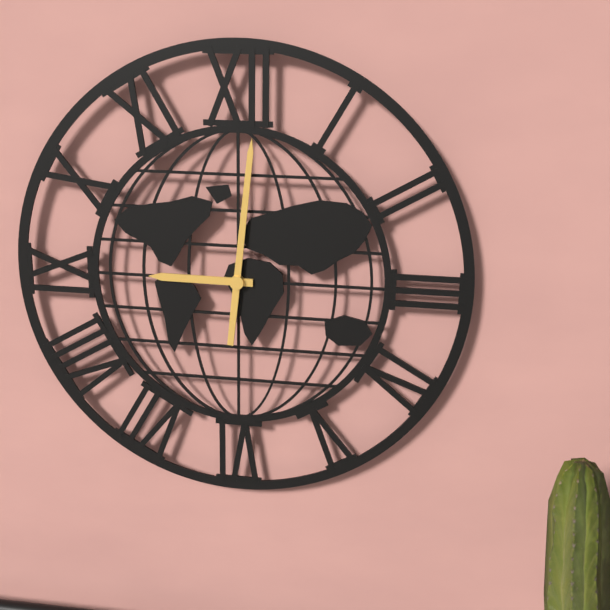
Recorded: 9.01
